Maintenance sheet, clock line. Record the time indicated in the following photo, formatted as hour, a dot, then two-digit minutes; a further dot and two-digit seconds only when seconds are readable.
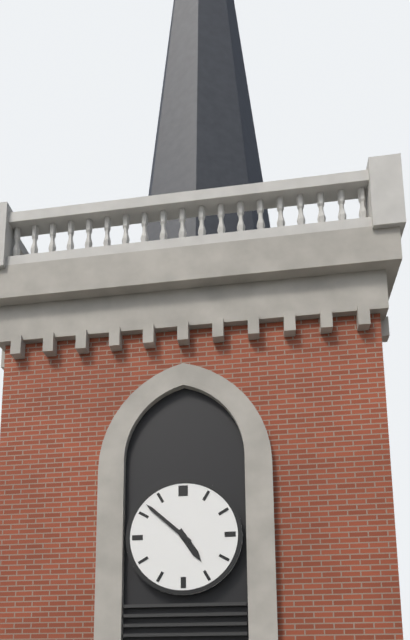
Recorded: 4.52
